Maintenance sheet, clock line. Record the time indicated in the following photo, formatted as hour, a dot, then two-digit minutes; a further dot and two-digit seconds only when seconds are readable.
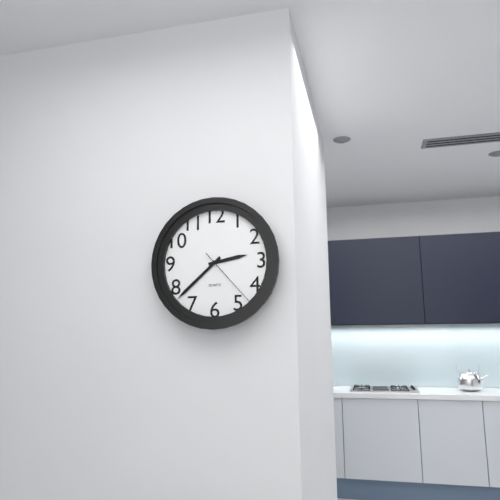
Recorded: 2.38.23
